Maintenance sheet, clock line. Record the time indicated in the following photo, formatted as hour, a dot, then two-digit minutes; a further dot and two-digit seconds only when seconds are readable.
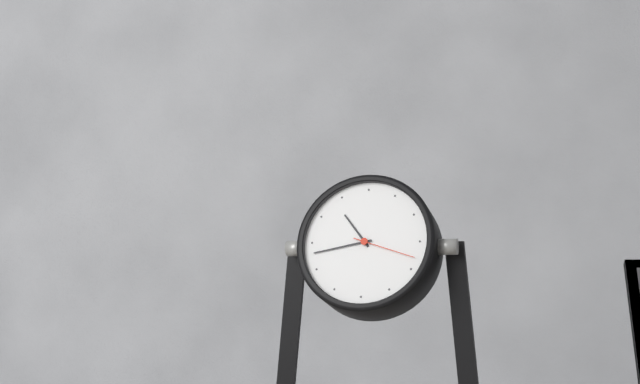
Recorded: 10.43.18
